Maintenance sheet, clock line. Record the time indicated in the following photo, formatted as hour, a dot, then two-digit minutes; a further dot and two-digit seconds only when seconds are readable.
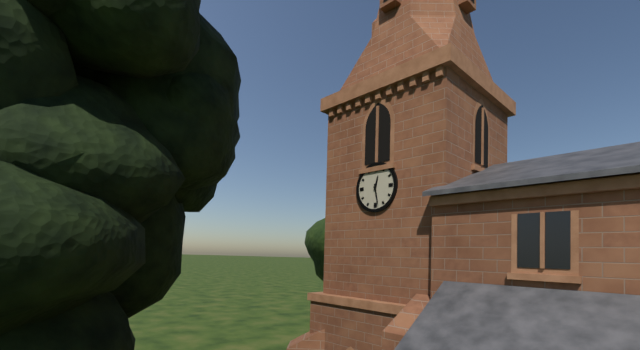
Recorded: 12.28
